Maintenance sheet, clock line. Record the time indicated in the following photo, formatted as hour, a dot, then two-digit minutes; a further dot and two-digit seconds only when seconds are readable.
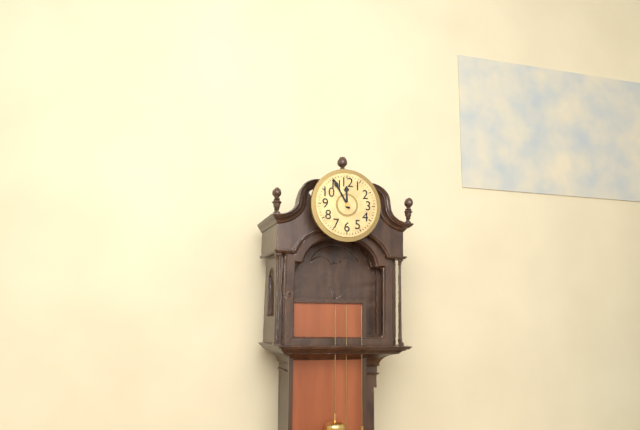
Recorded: 11.55
